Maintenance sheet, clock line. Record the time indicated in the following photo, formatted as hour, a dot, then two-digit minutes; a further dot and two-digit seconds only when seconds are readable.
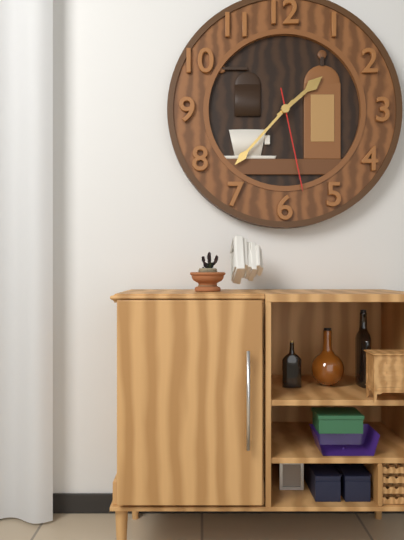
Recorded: 1.37.28
